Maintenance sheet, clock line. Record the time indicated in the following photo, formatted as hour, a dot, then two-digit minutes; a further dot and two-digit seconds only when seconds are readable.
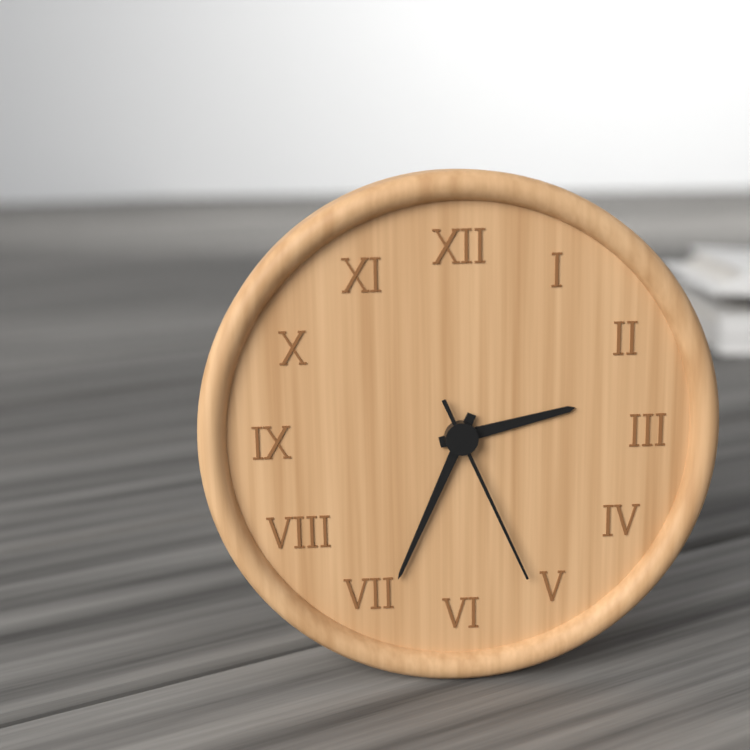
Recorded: 2.34.26
